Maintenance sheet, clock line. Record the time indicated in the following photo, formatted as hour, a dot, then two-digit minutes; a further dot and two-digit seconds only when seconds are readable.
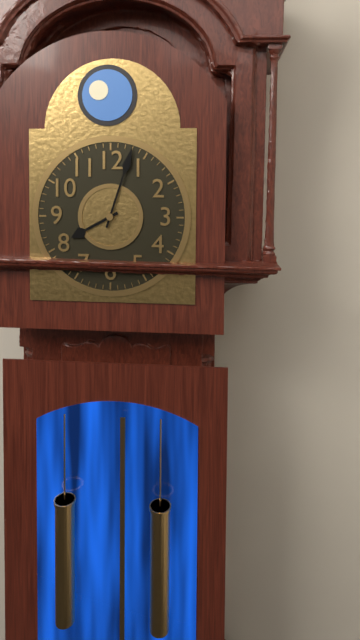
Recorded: 8.03
